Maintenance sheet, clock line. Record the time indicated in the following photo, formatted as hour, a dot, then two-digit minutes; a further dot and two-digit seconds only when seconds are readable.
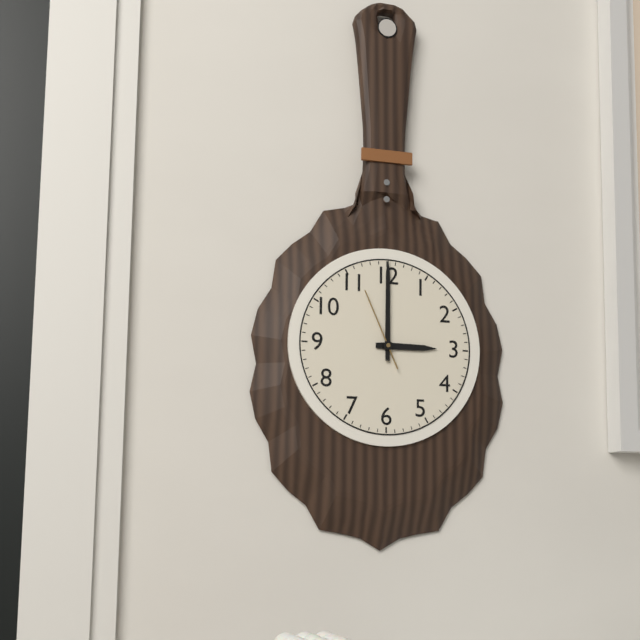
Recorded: 3.00.56
